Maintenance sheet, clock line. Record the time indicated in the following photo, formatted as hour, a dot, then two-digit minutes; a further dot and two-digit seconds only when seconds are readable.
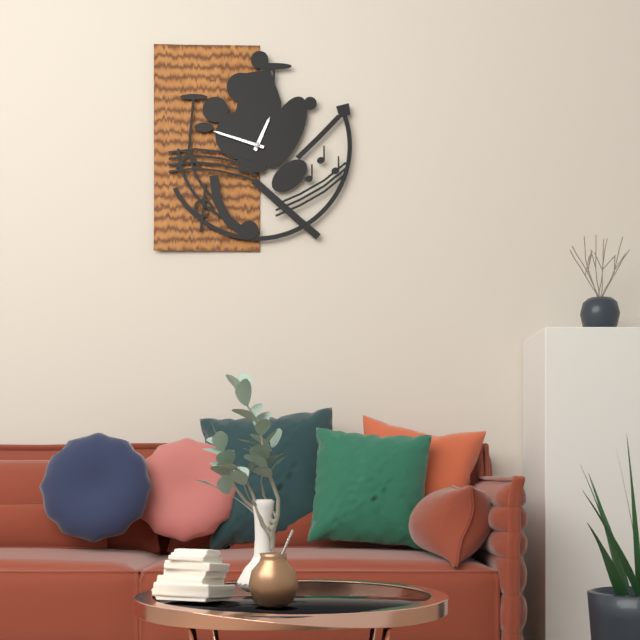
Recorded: 12.48
